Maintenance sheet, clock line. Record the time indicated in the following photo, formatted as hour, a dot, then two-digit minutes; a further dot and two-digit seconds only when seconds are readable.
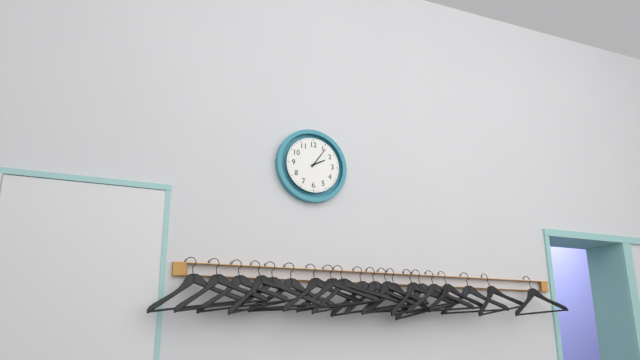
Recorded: 2.06
